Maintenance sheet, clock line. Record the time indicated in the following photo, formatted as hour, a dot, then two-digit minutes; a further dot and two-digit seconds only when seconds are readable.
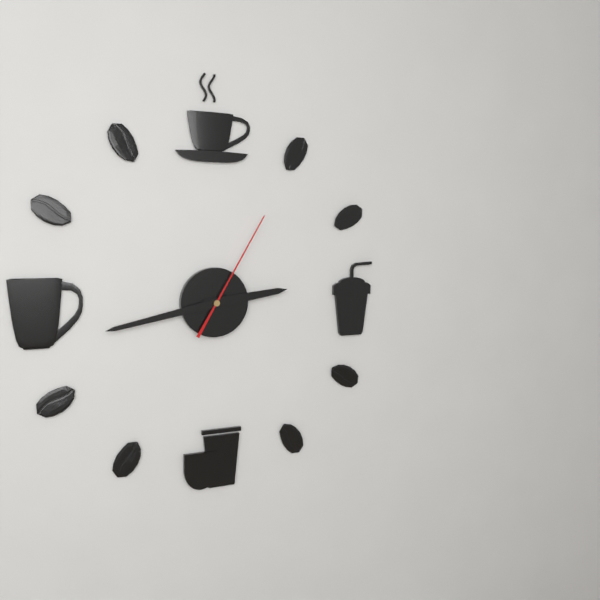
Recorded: 2.43.05
